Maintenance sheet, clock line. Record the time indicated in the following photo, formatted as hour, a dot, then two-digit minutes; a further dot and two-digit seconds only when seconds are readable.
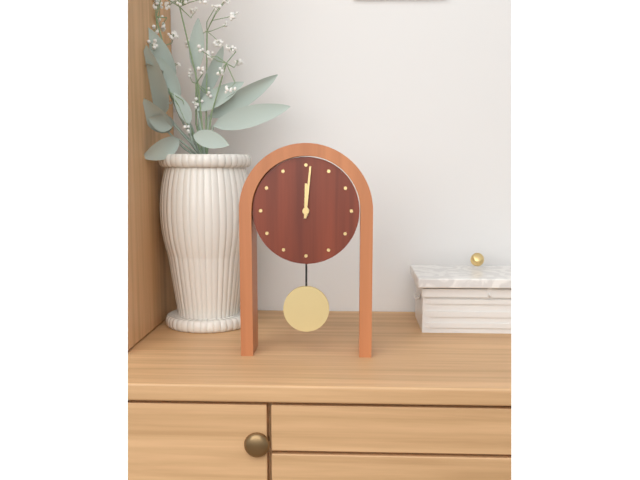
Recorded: 12.01
